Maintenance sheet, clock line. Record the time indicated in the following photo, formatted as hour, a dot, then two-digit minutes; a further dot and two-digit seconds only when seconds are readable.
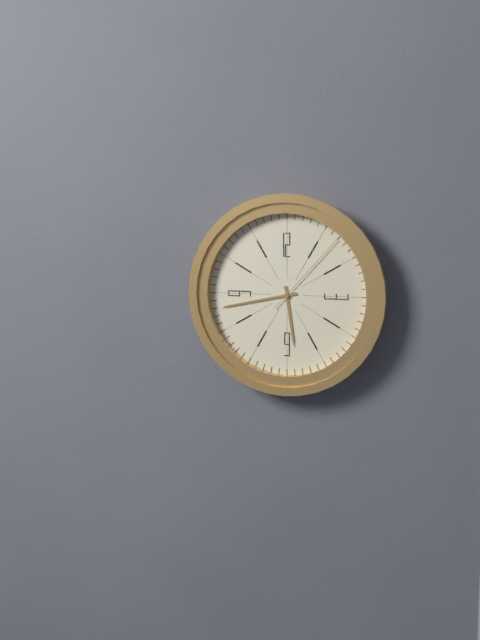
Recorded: 5.43.07
